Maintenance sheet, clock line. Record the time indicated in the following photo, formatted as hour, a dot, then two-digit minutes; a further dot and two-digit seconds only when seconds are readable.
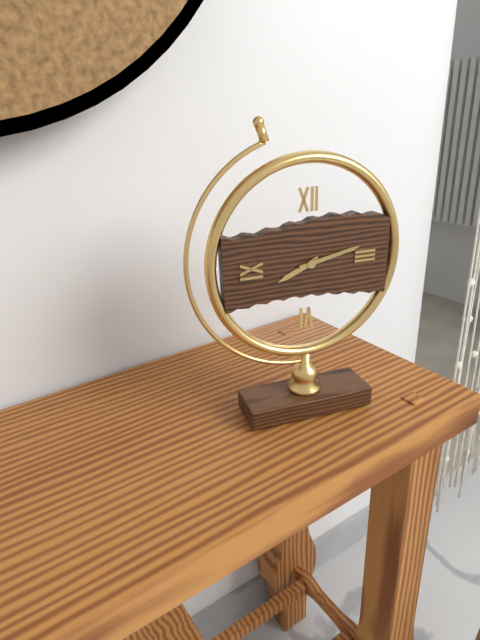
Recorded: 8.13
